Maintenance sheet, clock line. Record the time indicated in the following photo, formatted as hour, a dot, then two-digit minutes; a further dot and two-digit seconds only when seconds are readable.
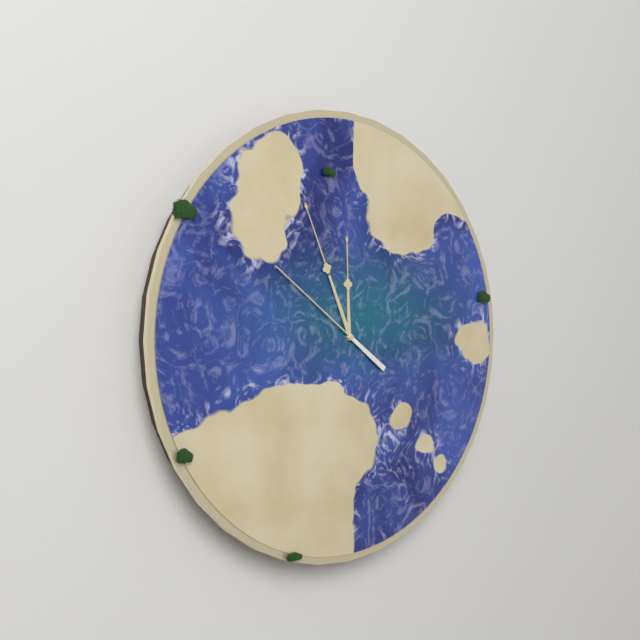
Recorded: 11.56.51
